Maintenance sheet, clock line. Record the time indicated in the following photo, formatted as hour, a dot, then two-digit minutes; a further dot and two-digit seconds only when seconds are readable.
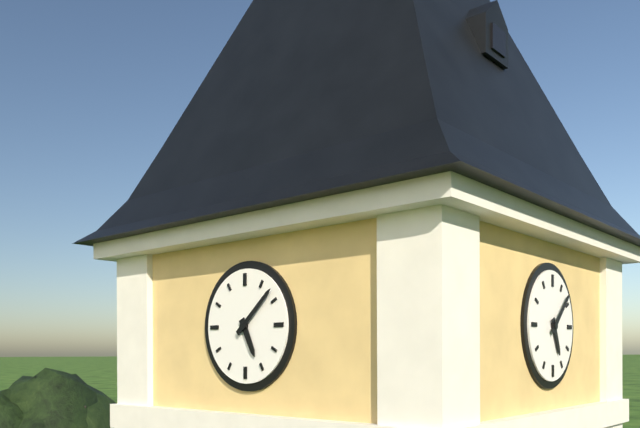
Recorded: 5.08
